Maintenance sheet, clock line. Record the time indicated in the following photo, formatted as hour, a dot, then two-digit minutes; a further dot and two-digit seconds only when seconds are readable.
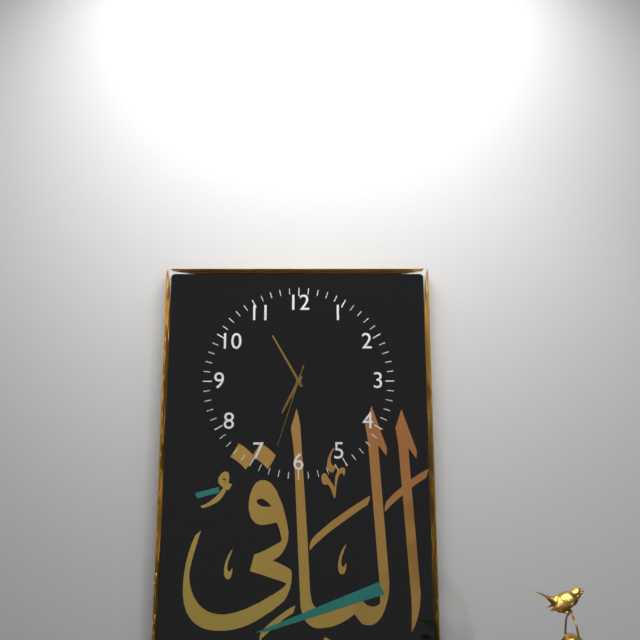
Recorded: 6.55.33
